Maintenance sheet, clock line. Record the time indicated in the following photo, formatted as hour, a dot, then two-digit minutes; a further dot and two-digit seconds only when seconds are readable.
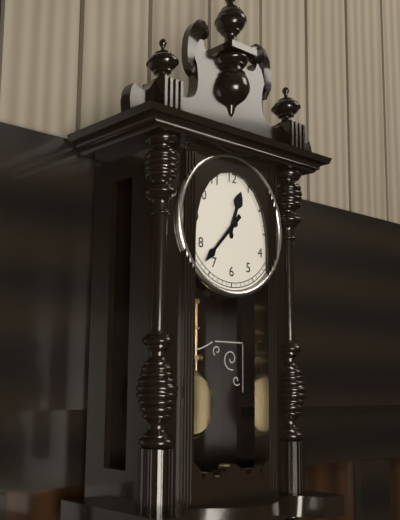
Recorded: 12.37
